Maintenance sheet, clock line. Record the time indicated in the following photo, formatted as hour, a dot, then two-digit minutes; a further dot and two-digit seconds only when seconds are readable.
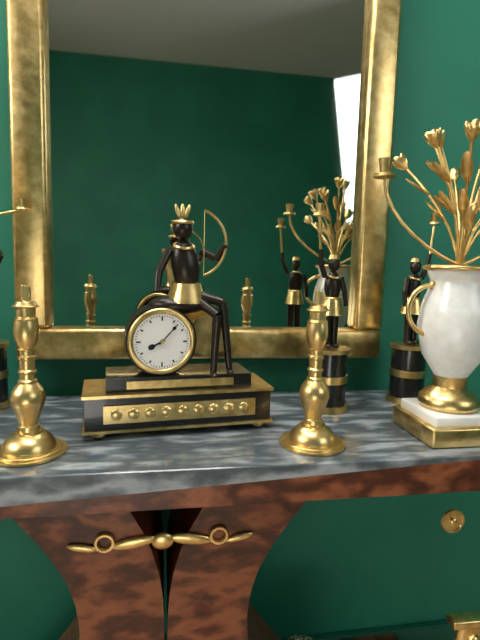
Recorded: 8.07
